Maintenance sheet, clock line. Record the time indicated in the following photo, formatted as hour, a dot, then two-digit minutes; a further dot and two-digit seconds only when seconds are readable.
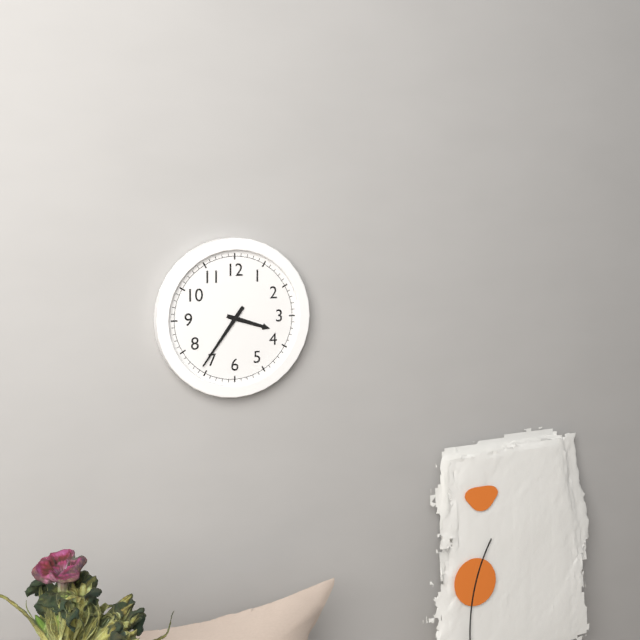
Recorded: 3.36
